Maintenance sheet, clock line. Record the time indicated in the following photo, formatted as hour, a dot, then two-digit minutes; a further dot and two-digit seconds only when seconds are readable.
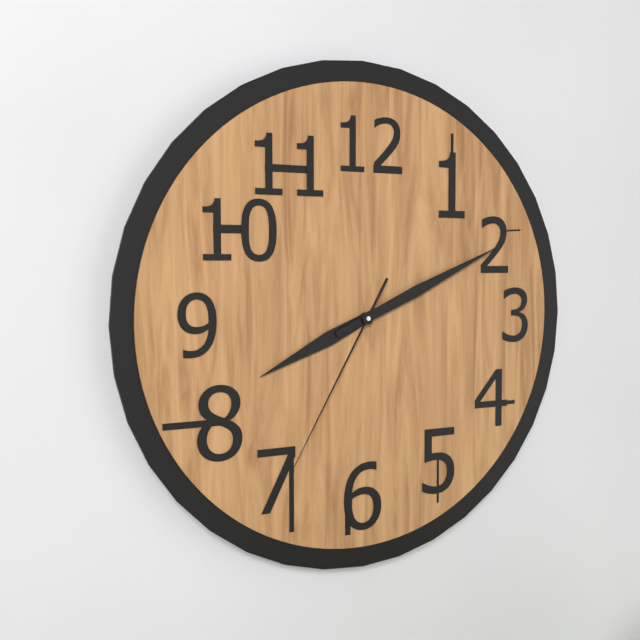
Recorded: 8.11.35
